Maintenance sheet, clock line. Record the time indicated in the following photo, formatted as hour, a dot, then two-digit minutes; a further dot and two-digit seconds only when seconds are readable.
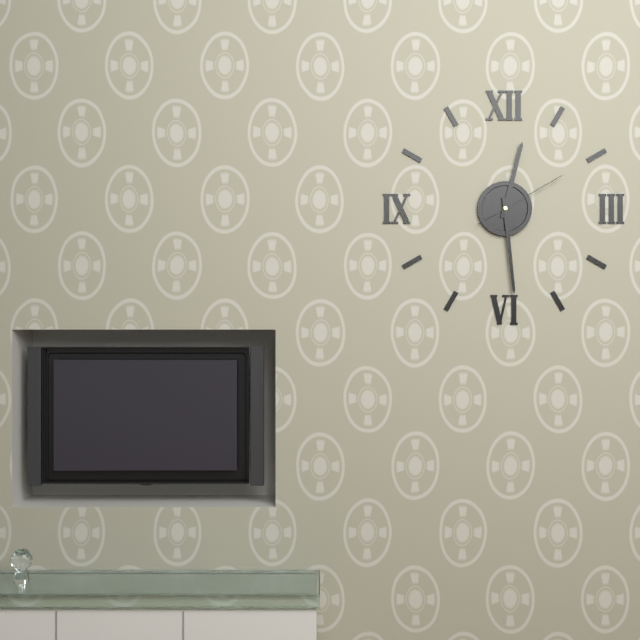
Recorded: 12.29.10
